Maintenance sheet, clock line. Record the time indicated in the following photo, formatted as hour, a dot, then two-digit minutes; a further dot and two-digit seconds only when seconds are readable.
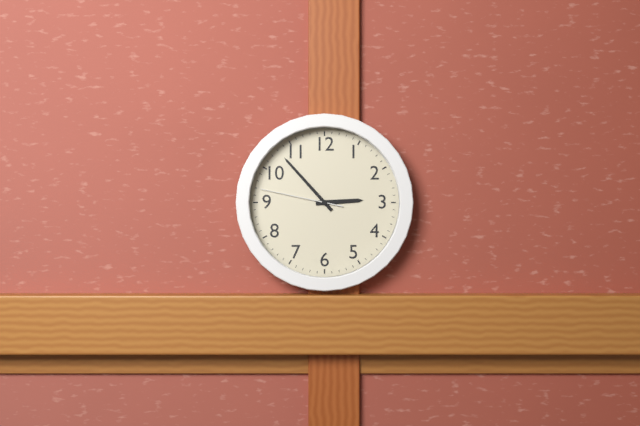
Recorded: 2.53.47
